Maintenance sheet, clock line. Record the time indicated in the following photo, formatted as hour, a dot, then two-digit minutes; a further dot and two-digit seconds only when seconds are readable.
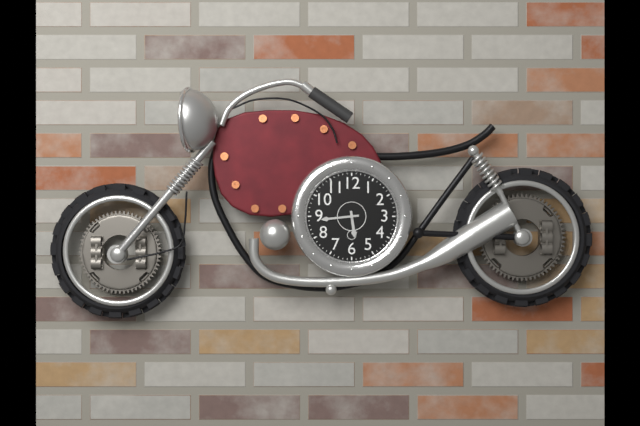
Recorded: 5.44
